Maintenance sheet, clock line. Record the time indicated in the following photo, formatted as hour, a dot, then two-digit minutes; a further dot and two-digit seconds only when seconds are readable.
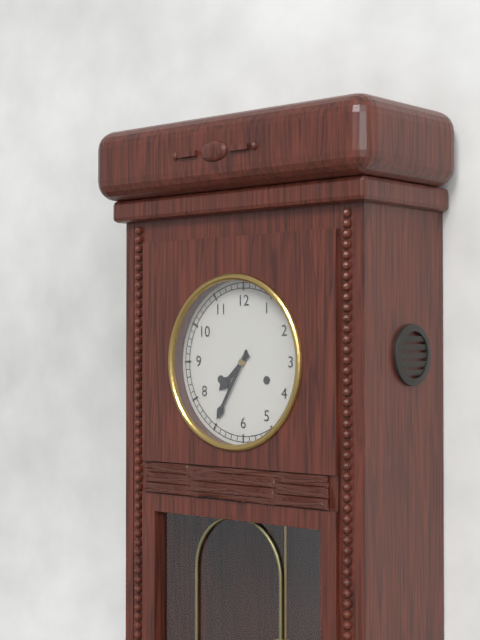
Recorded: 7.35
